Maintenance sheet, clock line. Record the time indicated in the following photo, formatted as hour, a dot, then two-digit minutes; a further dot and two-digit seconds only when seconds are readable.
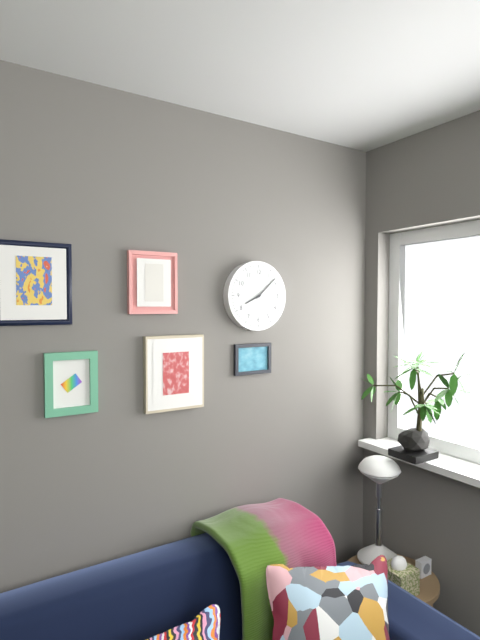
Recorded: 8.08
